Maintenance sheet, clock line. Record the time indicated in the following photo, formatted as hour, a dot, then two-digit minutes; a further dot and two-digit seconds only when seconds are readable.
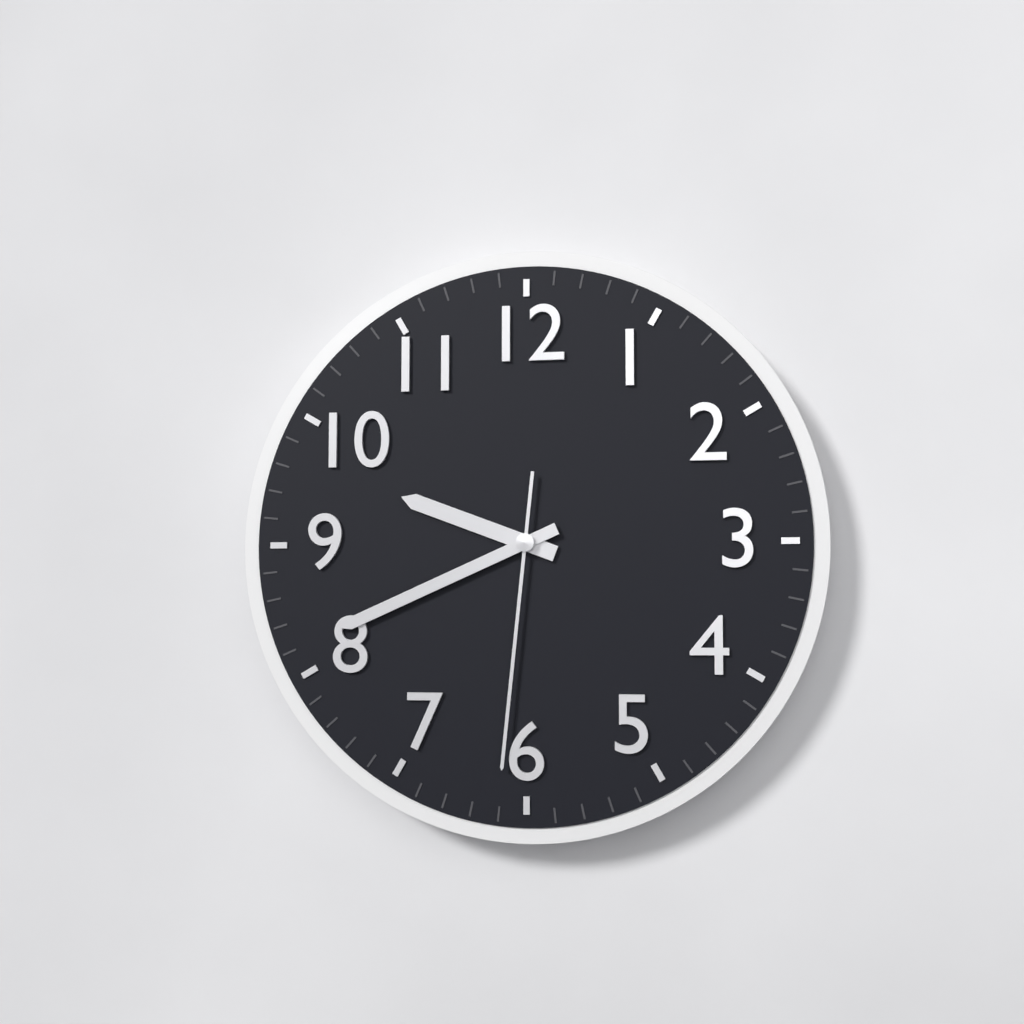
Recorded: 9.41.31
